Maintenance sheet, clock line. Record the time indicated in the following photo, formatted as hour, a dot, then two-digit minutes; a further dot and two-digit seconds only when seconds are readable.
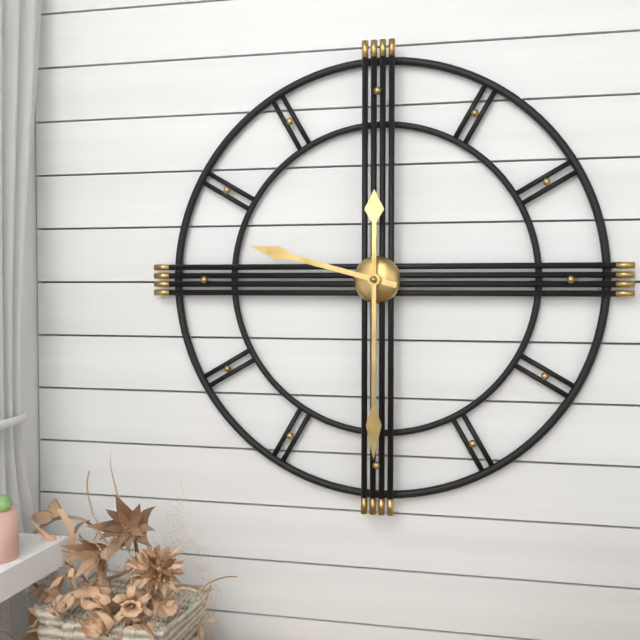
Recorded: 9.30
